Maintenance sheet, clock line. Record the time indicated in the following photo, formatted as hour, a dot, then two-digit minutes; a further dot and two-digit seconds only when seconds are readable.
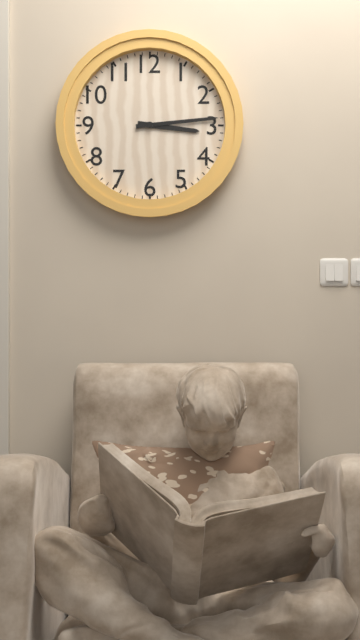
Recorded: 3.14
